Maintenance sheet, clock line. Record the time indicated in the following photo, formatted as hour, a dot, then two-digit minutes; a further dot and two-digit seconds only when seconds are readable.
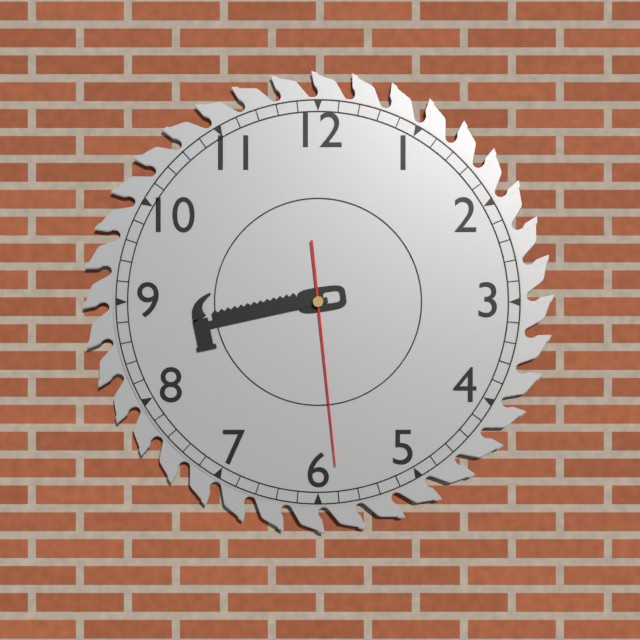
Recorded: 8.43.29
